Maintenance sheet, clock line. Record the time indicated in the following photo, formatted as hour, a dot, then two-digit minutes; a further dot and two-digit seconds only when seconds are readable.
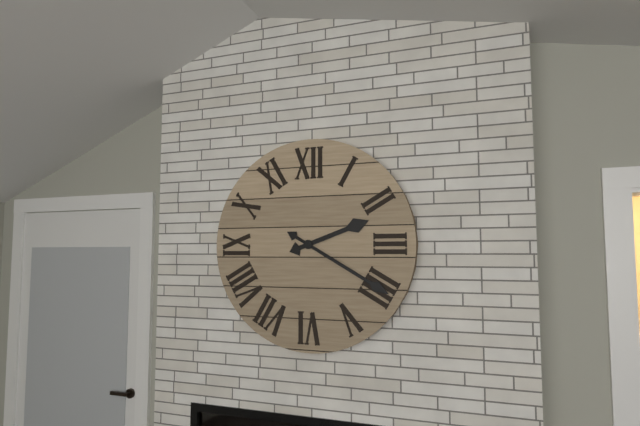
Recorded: 2.20
